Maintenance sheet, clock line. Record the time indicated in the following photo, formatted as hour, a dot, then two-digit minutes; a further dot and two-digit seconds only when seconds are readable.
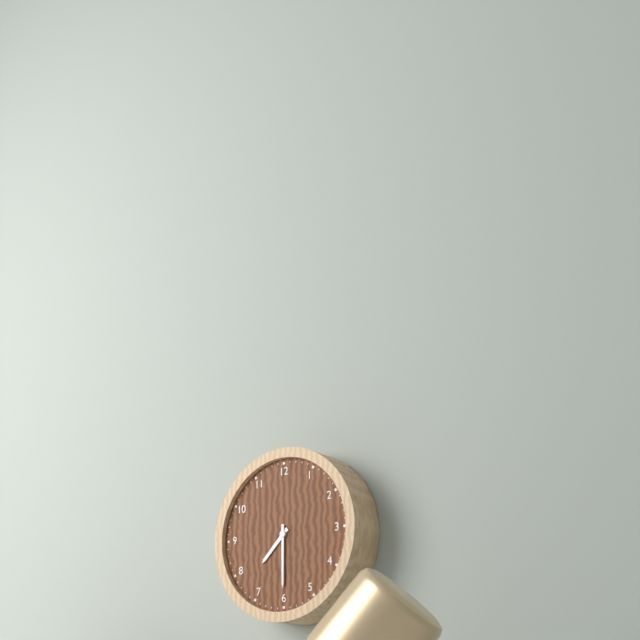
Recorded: 7.30
